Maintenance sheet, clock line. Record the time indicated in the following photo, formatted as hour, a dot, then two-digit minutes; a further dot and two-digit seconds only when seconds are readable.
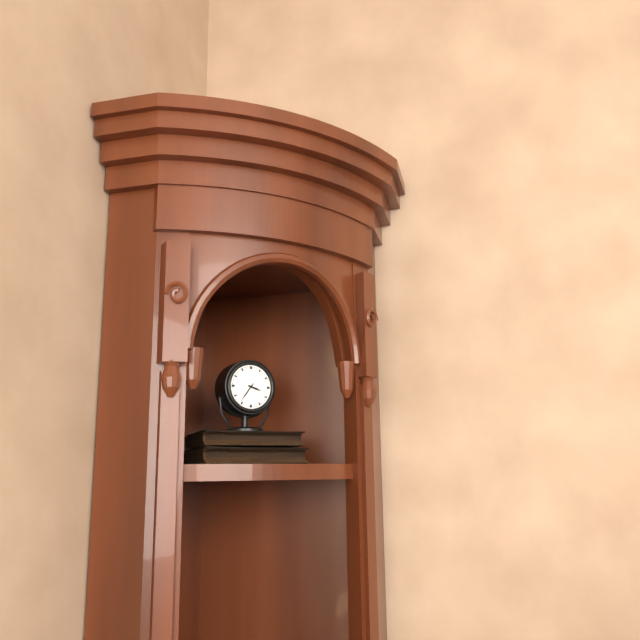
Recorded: 3.36
